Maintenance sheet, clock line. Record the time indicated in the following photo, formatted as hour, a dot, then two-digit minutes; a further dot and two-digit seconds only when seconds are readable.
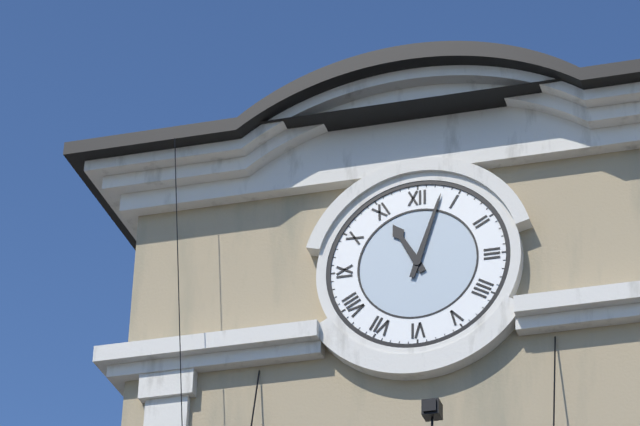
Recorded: 11.03
